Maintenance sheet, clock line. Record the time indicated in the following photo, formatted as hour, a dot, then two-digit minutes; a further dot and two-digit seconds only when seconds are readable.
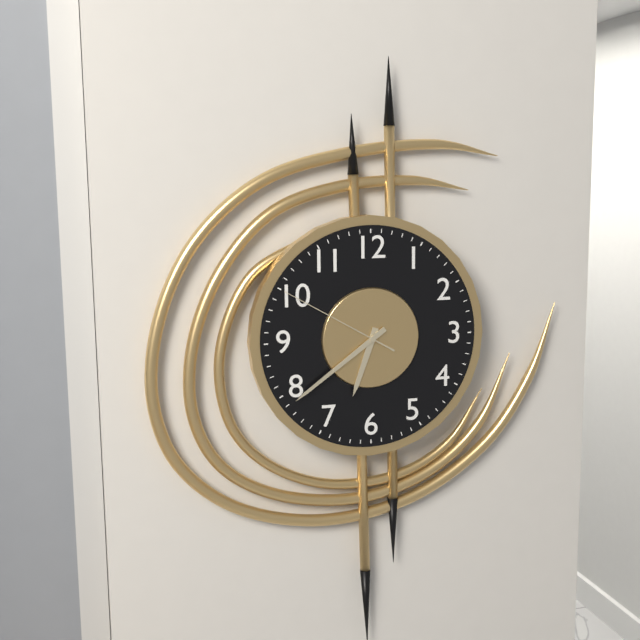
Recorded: 6.39.50
